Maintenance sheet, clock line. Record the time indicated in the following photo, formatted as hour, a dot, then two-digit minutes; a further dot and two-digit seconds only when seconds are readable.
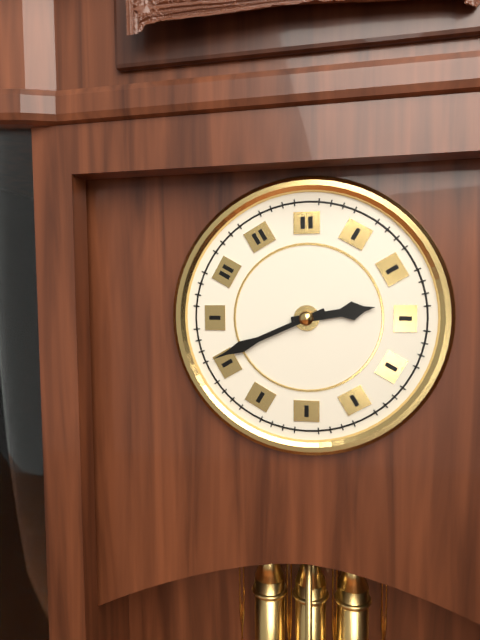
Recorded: 2.41
